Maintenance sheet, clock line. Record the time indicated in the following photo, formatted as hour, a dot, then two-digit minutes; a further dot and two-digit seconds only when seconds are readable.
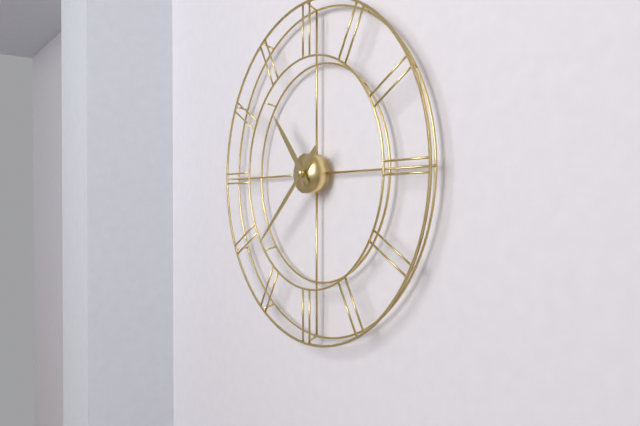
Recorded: 10.38
